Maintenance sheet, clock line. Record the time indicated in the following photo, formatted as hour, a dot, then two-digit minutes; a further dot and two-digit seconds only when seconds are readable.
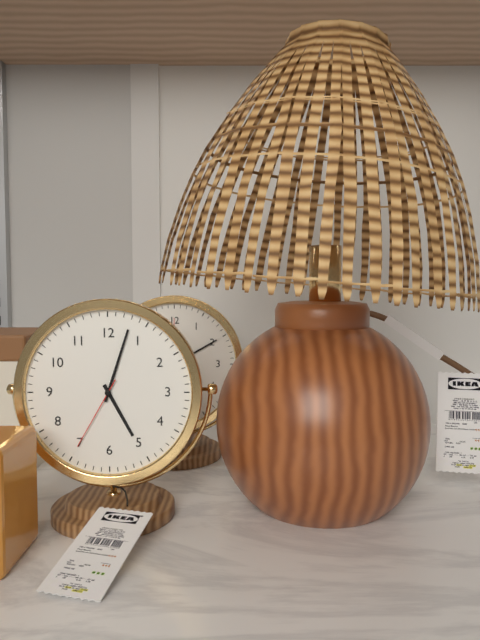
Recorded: 5.03.35
